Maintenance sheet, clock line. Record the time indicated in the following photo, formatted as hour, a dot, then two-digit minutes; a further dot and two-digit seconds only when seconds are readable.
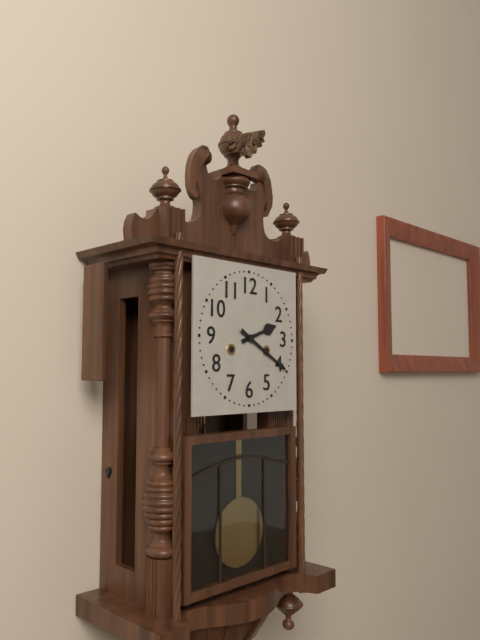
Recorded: 2.20
